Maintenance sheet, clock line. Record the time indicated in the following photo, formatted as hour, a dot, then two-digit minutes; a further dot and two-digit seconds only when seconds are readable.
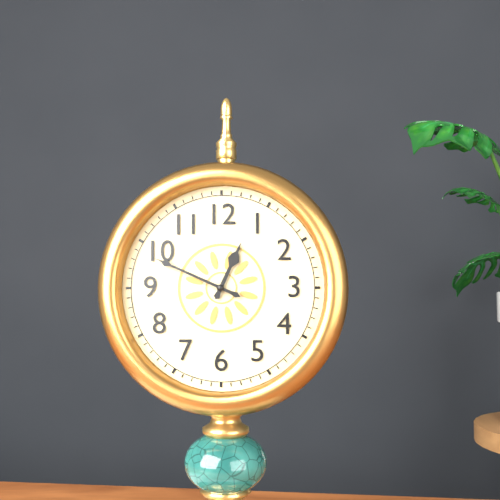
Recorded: 12.49
